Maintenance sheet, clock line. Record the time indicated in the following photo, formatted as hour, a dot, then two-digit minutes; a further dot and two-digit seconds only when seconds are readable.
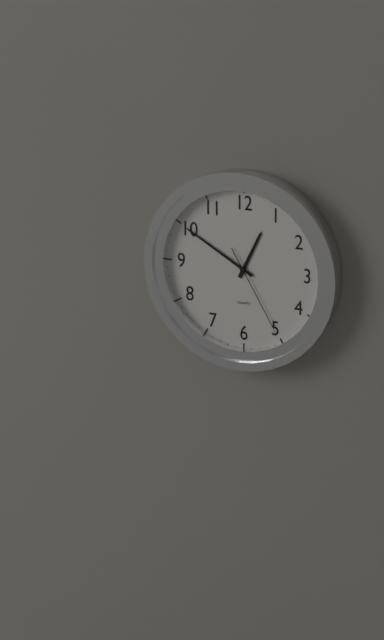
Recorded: 12.50.25
